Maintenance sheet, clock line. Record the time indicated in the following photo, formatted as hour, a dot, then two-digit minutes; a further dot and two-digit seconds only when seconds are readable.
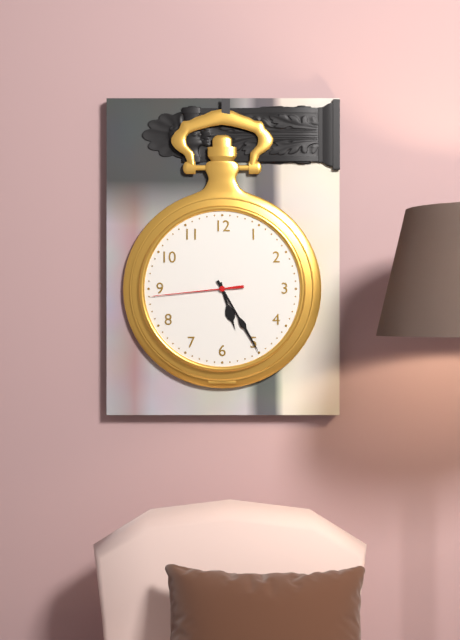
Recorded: 5.25.44
